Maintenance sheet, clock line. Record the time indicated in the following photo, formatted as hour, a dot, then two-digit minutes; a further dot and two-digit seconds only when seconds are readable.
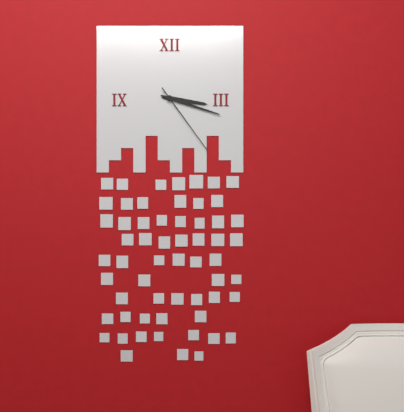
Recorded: 3.18.24
